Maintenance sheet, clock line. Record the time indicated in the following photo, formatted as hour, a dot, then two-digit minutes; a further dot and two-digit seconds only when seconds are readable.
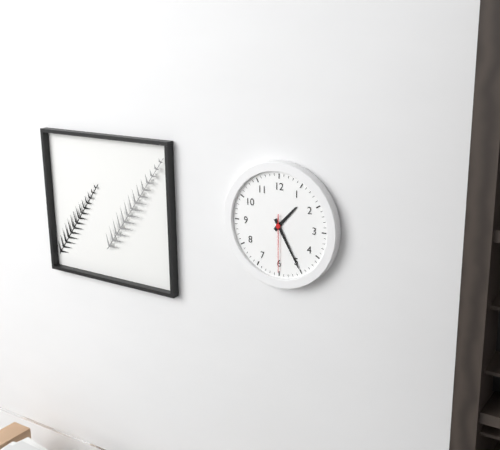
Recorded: 1.25.30
